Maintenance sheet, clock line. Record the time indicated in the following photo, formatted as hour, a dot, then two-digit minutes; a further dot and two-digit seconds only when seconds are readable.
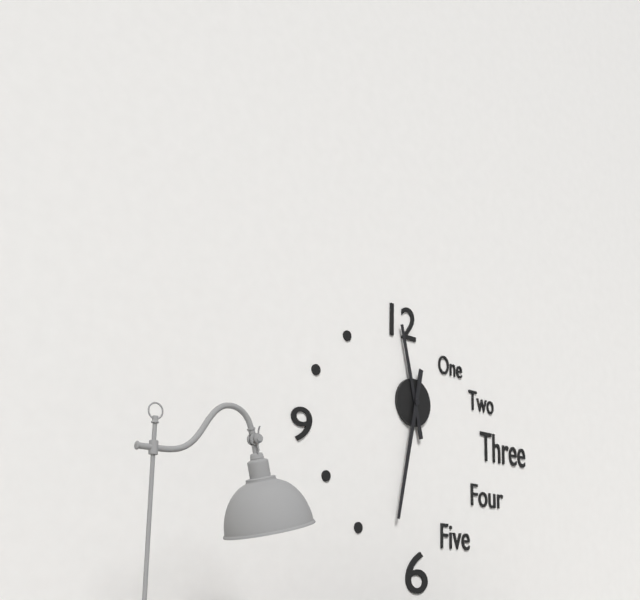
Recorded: 11.32
